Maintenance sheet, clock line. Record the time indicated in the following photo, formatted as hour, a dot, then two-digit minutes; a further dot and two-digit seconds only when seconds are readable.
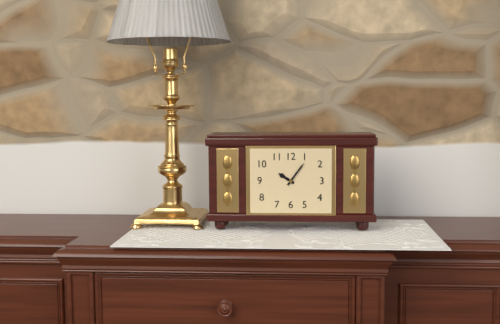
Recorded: 10.06
